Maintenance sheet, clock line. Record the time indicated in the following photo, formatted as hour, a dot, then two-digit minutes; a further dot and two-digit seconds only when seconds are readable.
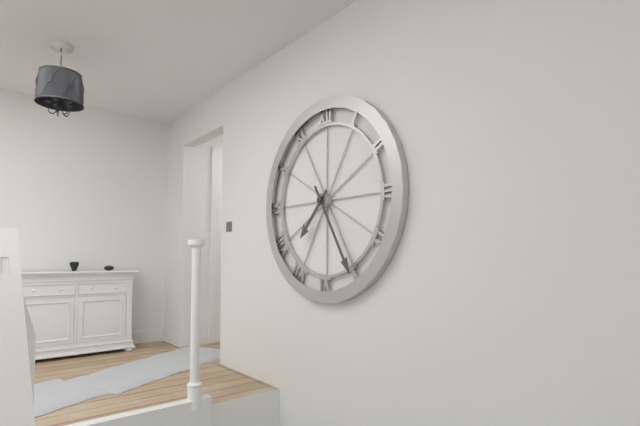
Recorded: 7.25
